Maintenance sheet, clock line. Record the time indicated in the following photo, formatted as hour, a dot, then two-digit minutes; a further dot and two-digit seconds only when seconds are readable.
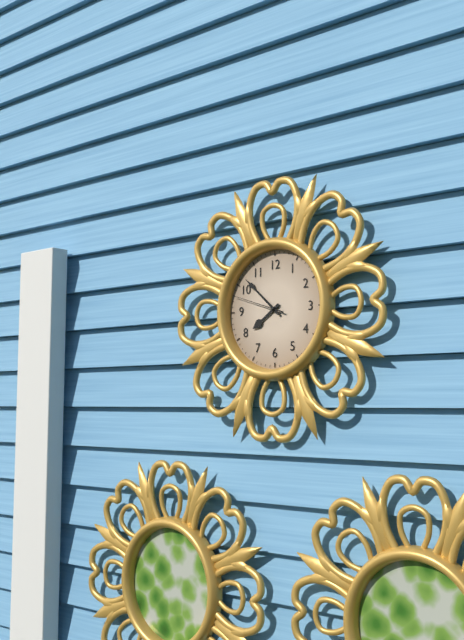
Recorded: 7.52.48
